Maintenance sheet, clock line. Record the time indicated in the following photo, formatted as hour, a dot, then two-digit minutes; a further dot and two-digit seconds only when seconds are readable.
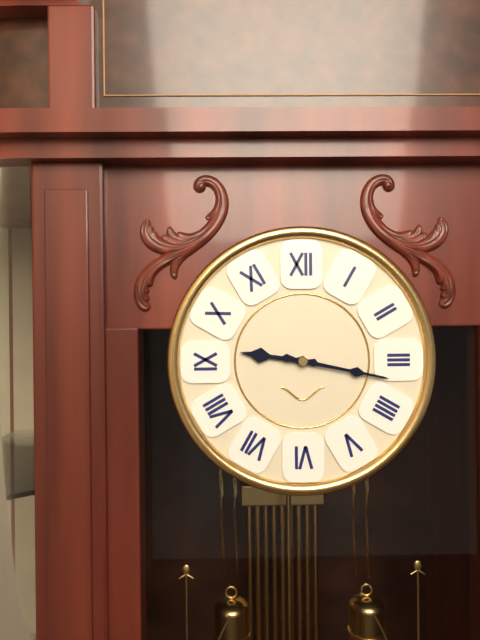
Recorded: 9.17
